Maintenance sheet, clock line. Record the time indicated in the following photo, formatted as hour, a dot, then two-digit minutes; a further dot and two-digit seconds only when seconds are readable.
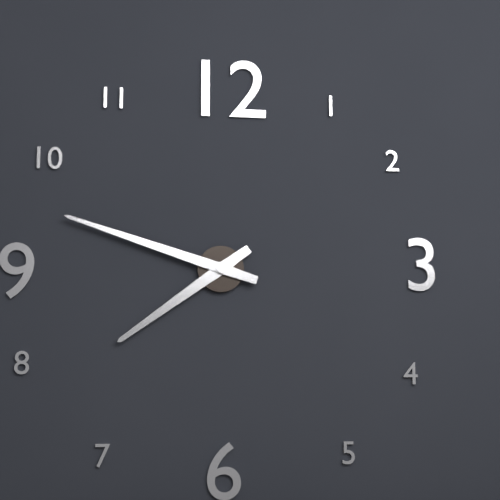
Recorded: 7.48
